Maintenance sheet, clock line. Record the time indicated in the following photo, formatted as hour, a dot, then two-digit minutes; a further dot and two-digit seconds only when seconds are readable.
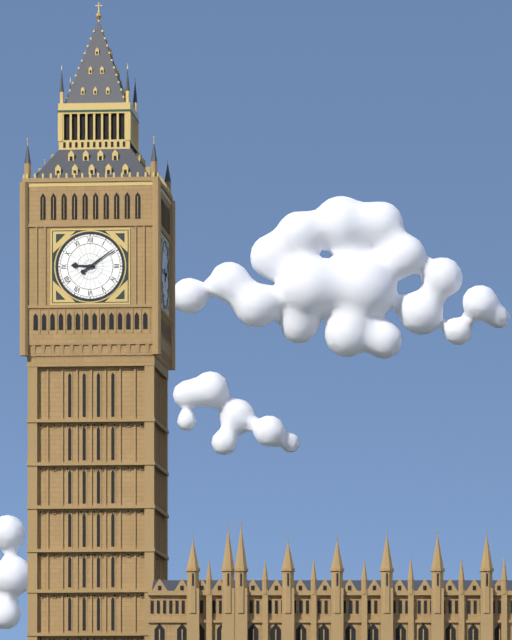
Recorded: 9.09
